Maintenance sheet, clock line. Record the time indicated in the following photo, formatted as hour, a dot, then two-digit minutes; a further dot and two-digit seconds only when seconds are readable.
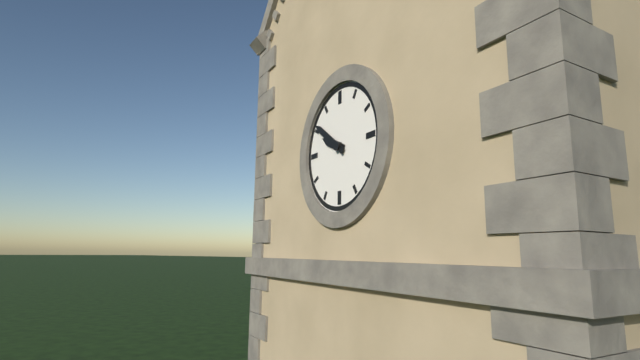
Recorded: 9.51
